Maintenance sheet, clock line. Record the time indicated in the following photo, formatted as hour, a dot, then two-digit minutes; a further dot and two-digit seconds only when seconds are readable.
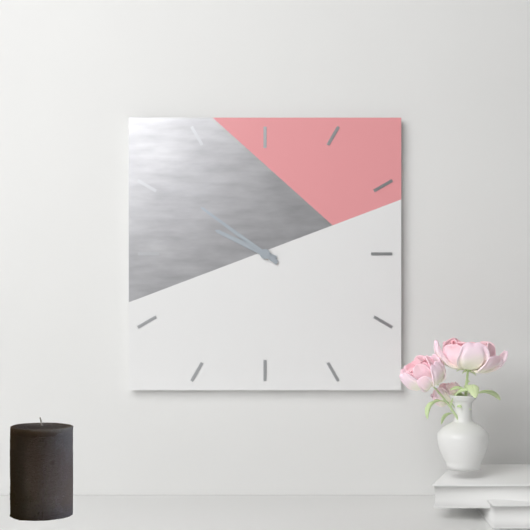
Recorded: 9.51
